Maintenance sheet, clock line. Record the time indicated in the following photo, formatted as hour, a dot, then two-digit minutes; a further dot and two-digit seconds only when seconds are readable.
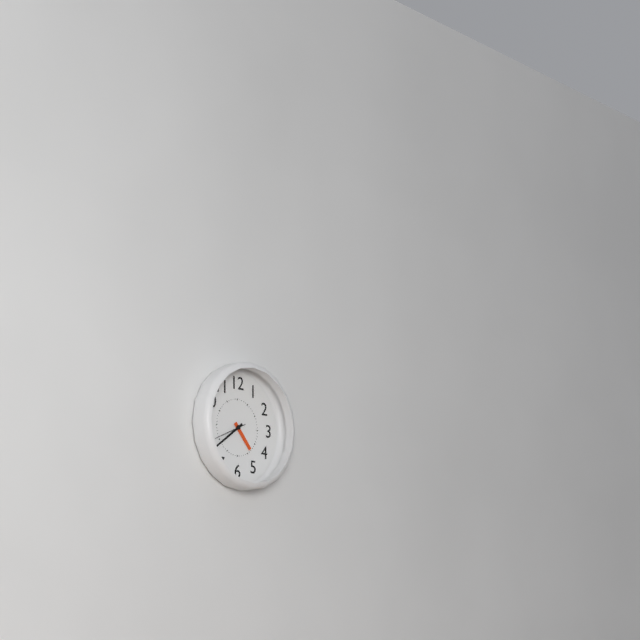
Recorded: 4.39
